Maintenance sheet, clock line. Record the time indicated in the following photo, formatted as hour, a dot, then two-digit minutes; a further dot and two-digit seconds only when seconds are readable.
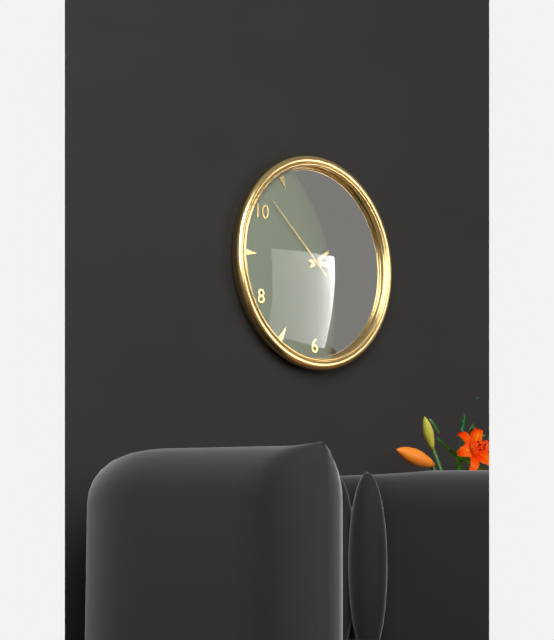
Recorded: 3.09.52
